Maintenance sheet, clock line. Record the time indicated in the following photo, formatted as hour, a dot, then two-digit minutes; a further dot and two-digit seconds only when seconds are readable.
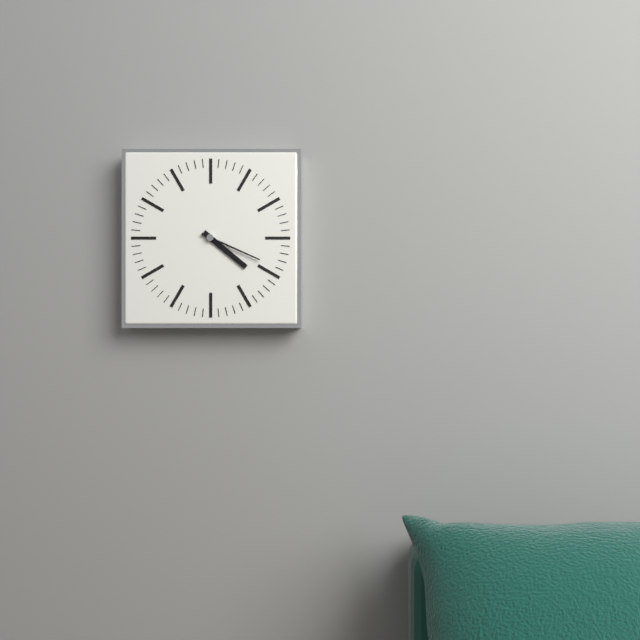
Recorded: 4.19
